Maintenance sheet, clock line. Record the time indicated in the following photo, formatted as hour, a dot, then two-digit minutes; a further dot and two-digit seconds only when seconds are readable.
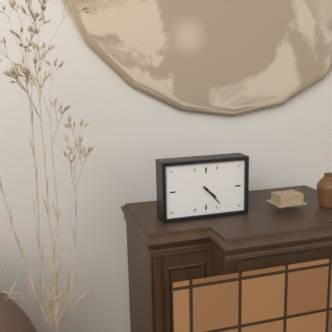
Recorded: 4.23
